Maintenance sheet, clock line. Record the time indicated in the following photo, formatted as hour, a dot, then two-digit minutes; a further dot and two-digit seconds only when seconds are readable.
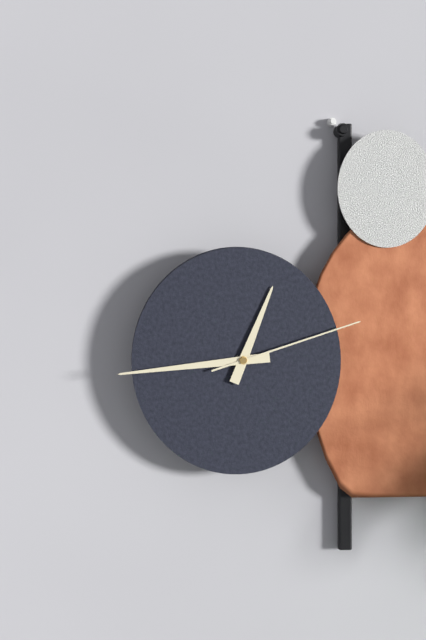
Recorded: 12.44.12
